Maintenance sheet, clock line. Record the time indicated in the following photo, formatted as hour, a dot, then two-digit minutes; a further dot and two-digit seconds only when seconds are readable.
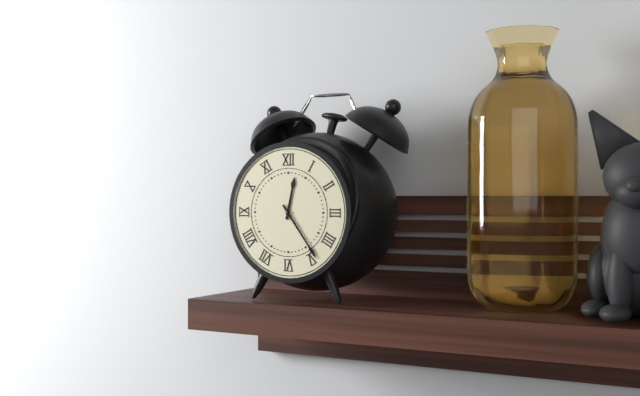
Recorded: 12.24
